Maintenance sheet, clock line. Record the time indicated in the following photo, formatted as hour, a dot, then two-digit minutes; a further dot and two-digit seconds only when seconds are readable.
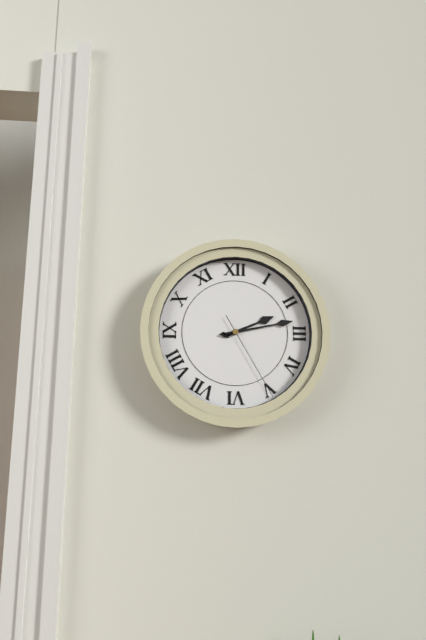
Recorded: 2.13.25
